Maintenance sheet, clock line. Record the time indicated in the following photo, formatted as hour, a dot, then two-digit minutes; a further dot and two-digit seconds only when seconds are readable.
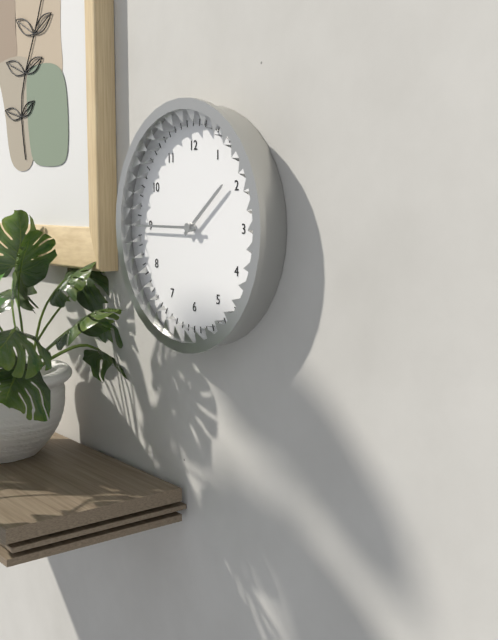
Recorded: 1.45
